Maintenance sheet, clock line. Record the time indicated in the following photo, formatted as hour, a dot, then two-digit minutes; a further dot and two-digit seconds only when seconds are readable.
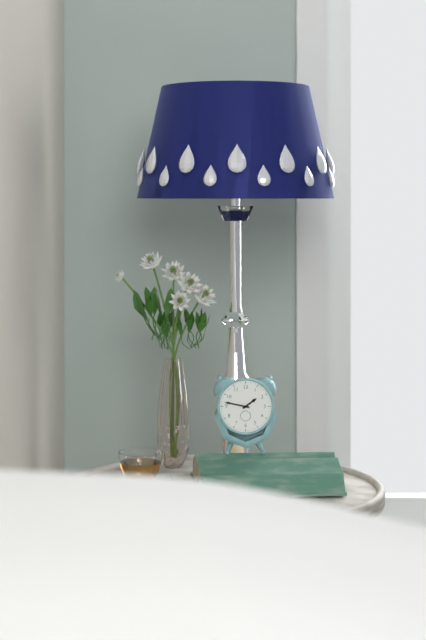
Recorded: 1.47
